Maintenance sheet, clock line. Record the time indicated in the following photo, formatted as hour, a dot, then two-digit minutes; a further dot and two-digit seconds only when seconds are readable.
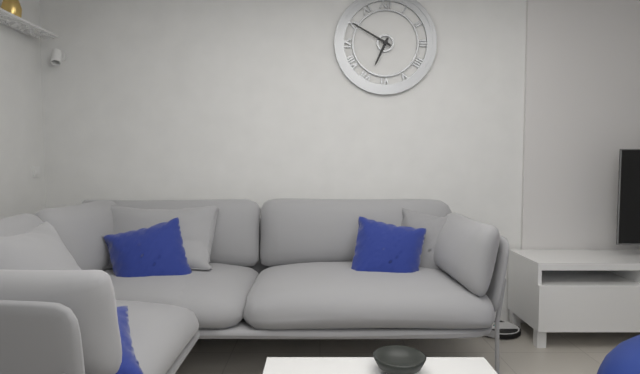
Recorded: 6.50
